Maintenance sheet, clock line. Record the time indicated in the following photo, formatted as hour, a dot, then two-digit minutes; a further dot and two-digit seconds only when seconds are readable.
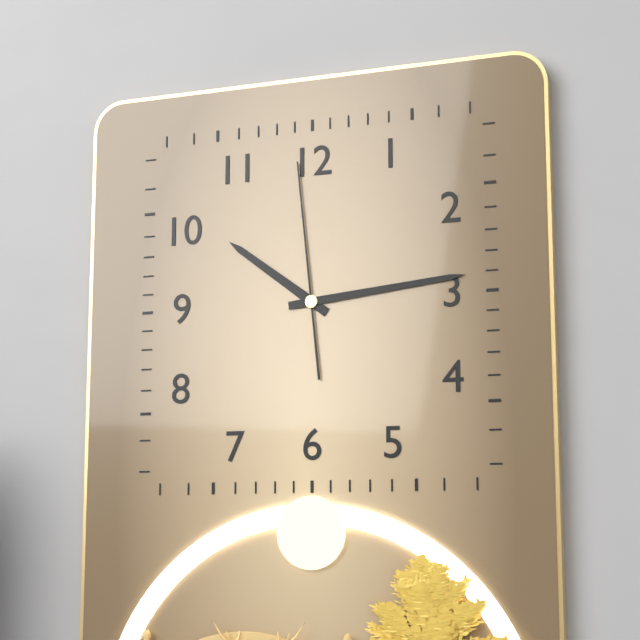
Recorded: 10.14.59
